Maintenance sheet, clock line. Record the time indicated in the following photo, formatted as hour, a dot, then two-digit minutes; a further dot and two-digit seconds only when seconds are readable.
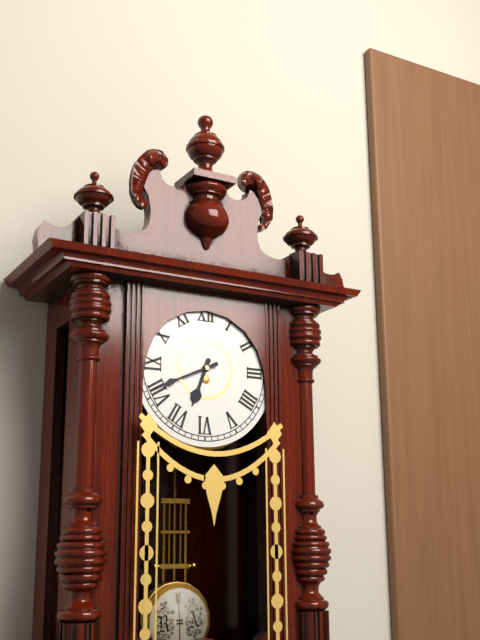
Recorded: 6.41
